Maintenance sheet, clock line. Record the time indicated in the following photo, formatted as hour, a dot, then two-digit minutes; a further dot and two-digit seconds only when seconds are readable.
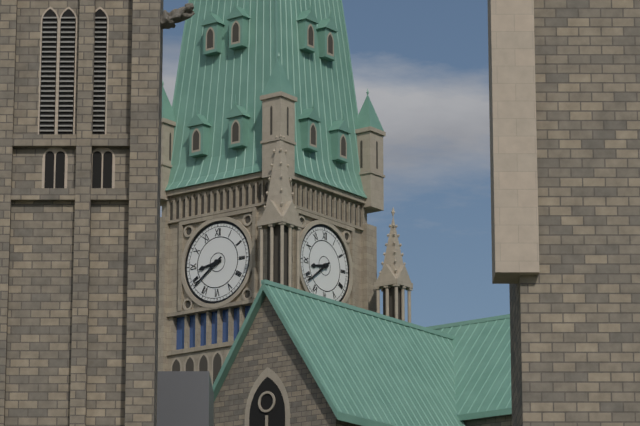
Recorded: 8.39
